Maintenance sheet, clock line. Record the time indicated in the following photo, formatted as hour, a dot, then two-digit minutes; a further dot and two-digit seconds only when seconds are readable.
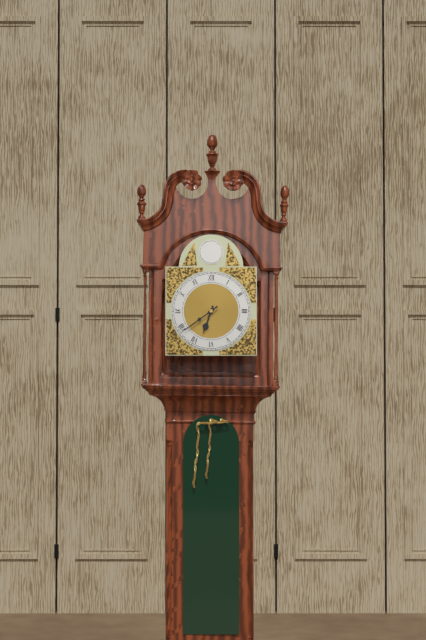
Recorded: 6.39
